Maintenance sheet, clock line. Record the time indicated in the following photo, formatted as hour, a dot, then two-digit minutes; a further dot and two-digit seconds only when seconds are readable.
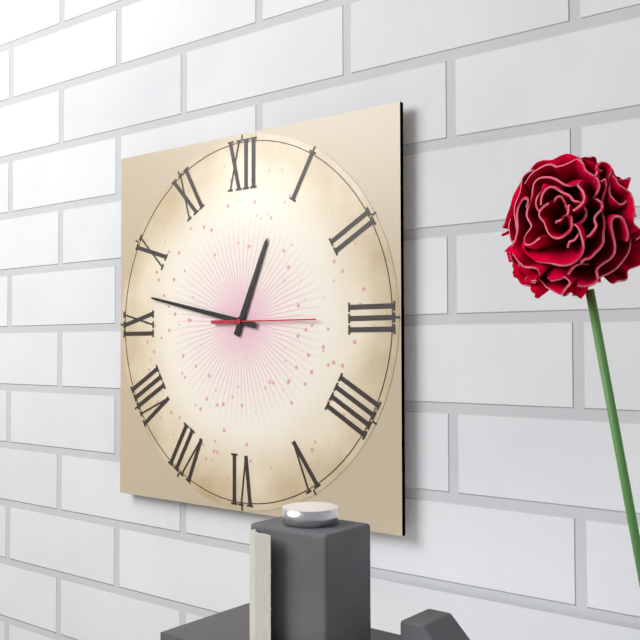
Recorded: 12.47.15
